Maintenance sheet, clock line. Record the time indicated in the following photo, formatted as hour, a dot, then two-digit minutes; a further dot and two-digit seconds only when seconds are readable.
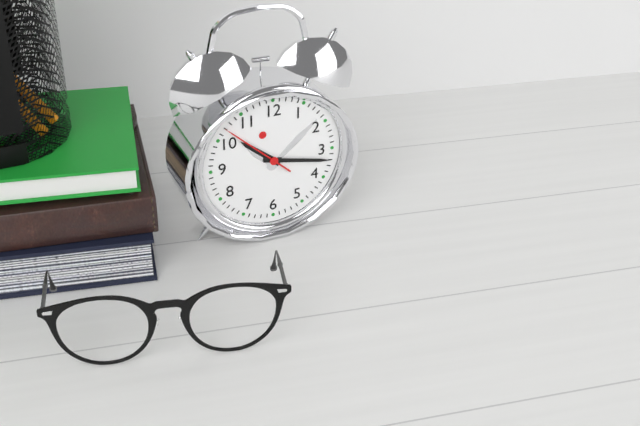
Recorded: 10.17.52
